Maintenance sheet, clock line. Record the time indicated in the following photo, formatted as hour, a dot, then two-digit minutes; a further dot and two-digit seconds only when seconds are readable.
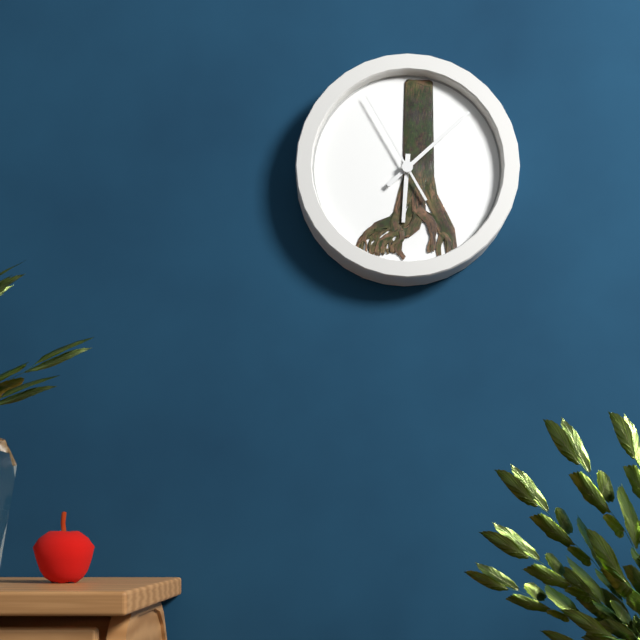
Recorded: 6.08.55
